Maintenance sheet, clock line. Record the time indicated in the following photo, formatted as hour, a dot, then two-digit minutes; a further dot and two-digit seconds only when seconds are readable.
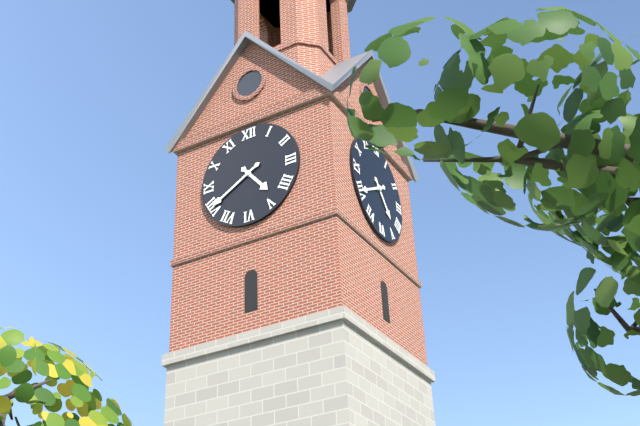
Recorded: 4.40
